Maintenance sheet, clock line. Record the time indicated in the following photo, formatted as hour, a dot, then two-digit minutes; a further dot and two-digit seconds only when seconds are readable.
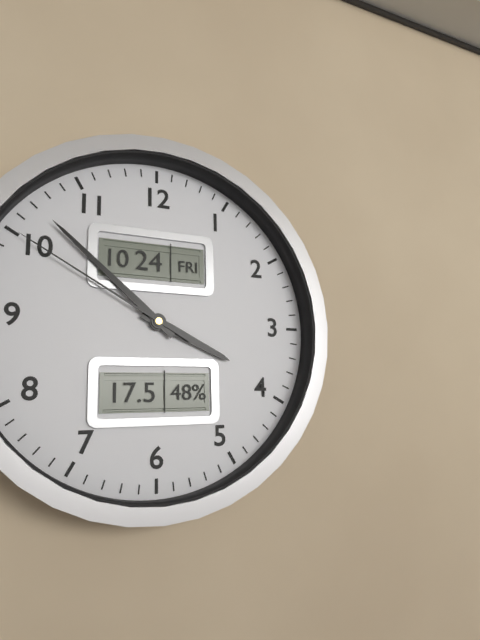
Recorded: 3.52.50
